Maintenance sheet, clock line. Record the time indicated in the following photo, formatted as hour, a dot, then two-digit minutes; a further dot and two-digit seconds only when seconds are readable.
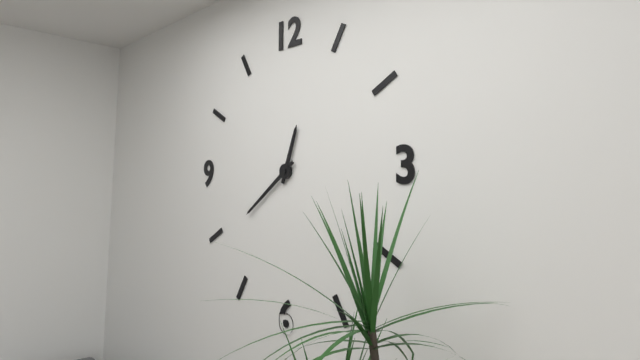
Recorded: 12.39
